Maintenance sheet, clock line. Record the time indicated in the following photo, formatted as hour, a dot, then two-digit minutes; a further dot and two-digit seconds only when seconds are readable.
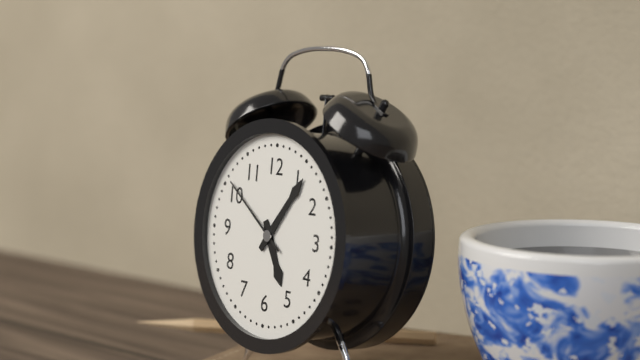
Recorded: 5.06.51
